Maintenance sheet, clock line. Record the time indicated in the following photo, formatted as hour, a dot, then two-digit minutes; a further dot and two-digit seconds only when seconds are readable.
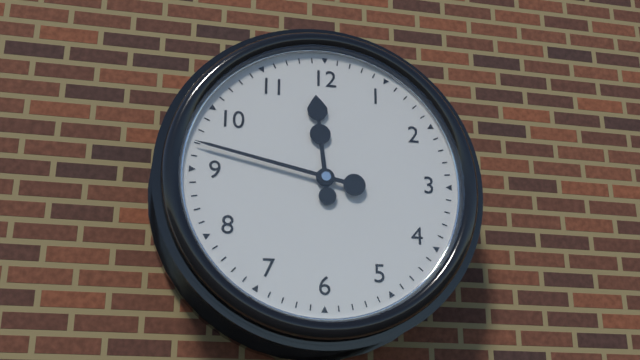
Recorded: 11.47
